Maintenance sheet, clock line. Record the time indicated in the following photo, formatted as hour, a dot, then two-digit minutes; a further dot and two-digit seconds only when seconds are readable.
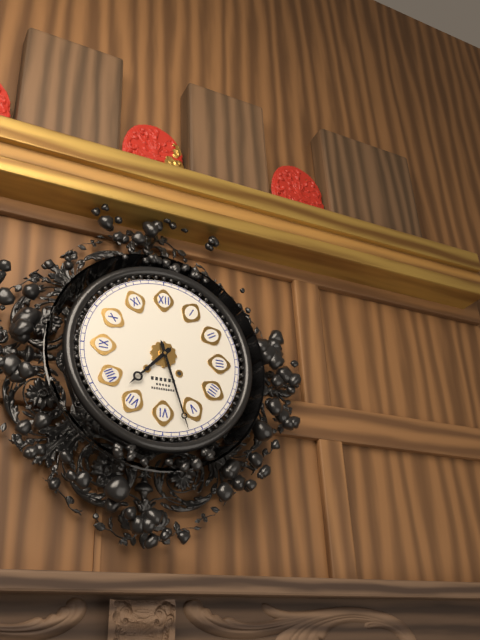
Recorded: 7.27
